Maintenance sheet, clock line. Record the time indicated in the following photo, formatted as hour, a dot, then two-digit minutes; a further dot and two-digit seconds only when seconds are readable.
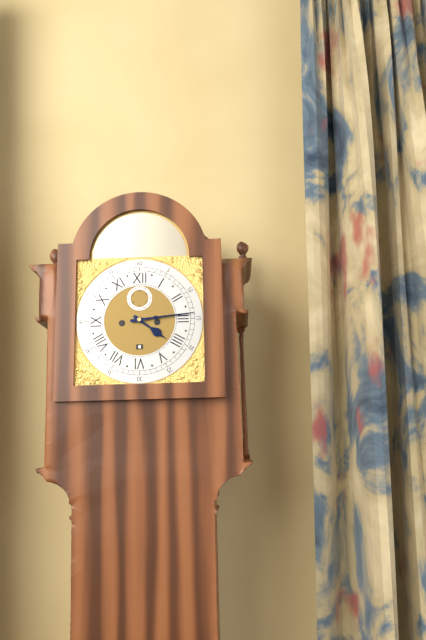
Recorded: 4.14
